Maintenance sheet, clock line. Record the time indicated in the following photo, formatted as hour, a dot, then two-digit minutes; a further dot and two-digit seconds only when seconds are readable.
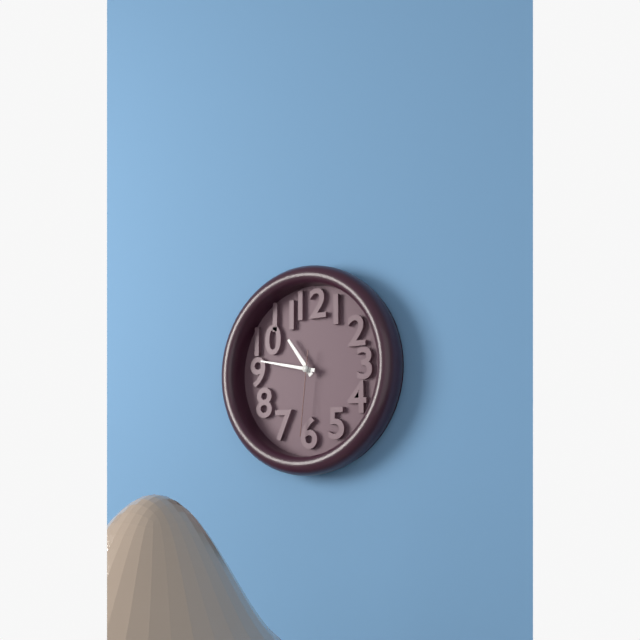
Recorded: 10.47.31
